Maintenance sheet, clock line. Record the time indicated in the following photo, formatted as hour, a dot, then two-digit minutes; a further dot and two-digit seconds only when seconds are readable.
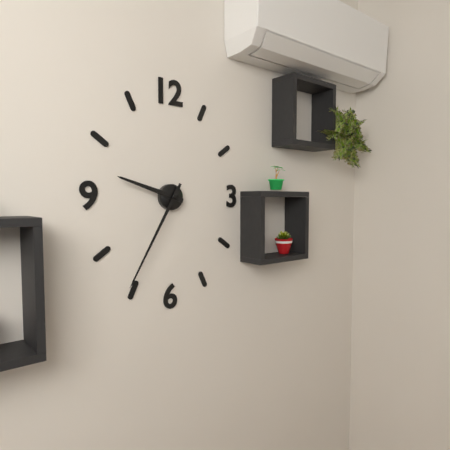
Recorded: 9.35
